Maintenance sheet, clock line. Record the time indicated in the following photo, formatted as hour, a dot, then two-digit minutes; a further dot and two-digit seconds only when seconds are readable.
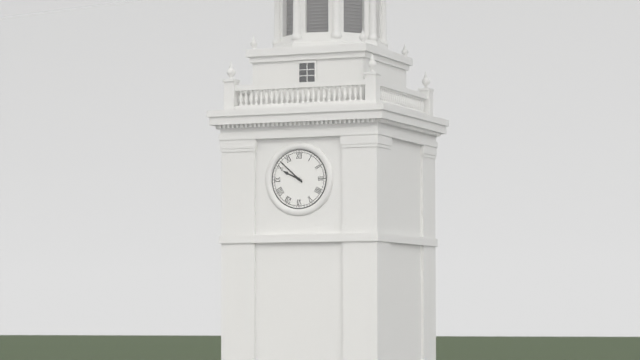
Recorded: 9.52
